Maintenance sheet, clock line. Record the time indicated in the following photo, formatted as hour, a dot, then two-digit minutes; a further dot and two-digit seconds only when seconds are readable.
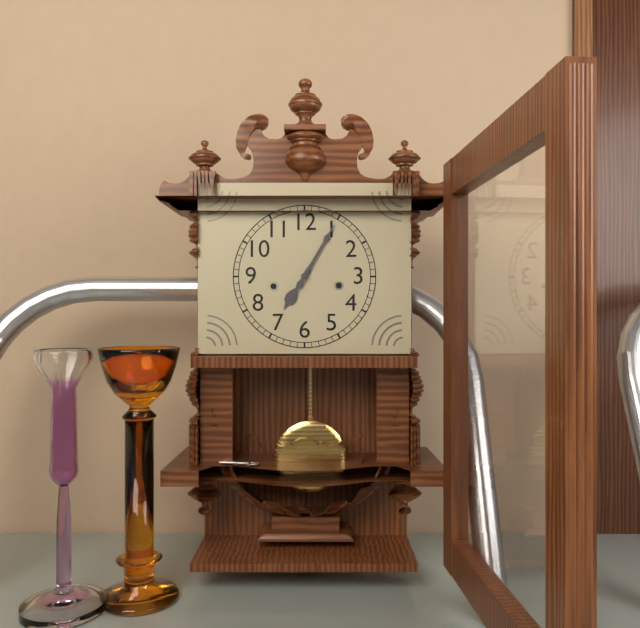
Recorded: 7.05
